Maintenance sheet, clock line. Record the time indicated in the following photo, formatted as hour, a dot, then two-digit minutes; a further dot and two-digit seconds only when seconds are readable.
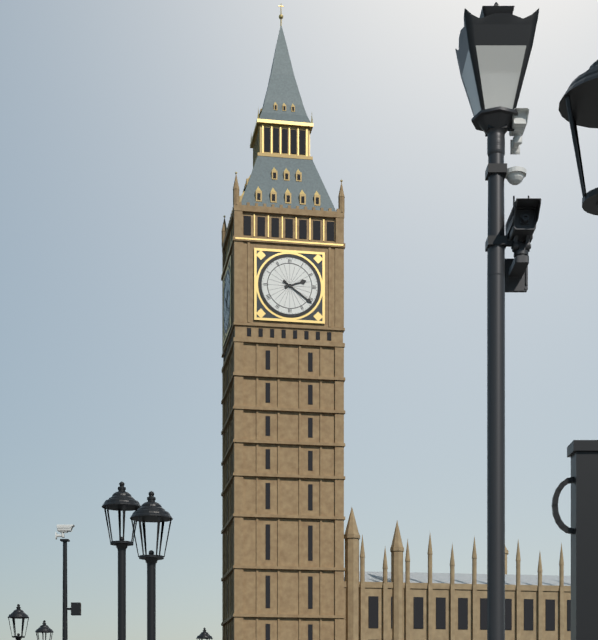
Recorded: 2.21
